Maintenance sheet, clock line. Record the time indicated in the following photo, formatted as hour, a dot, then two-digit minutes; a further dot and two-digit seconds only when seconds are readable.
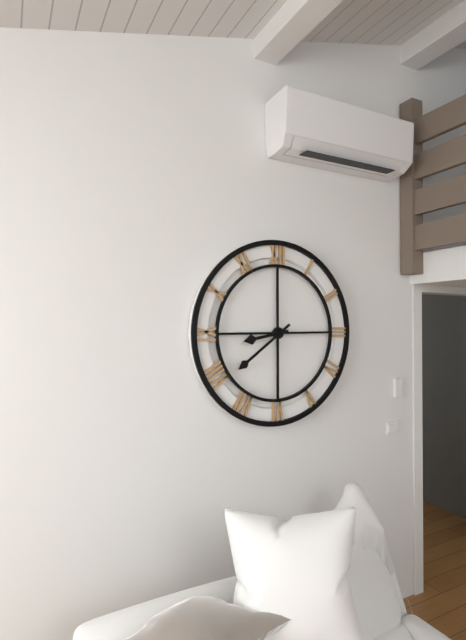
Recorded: 8.39
